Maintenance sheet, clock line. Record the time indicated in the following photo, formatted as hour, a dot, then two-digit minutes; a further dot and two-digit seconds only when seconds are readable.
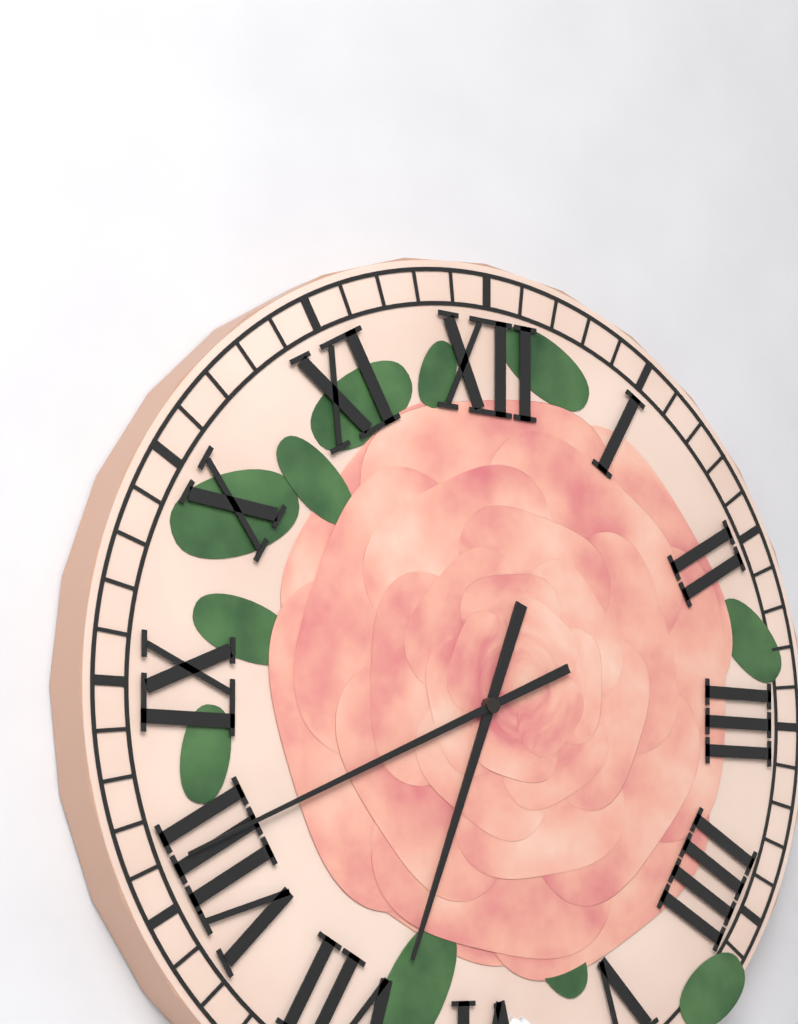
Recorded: 6.41
